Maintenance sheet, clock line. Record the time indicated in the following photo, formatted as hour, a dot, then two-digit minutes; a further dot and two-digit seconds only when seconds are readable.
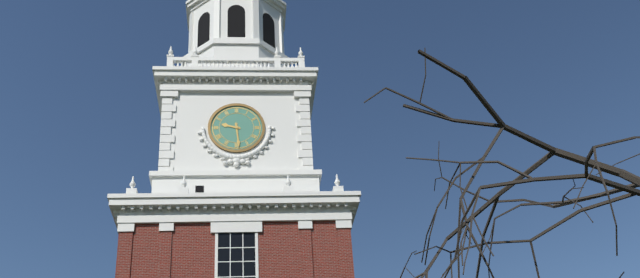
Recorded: 9.29
